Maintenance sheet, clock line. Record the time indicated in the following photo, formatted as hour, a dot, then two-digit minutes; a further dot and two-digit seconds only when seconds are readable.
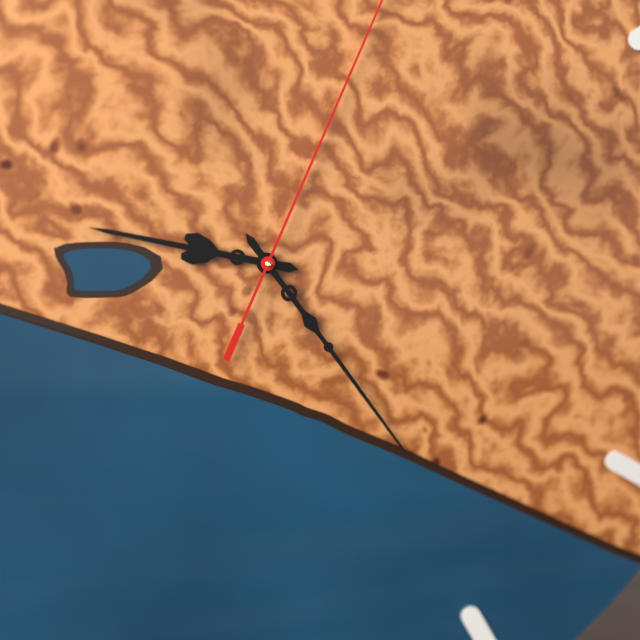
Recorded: 9.24
